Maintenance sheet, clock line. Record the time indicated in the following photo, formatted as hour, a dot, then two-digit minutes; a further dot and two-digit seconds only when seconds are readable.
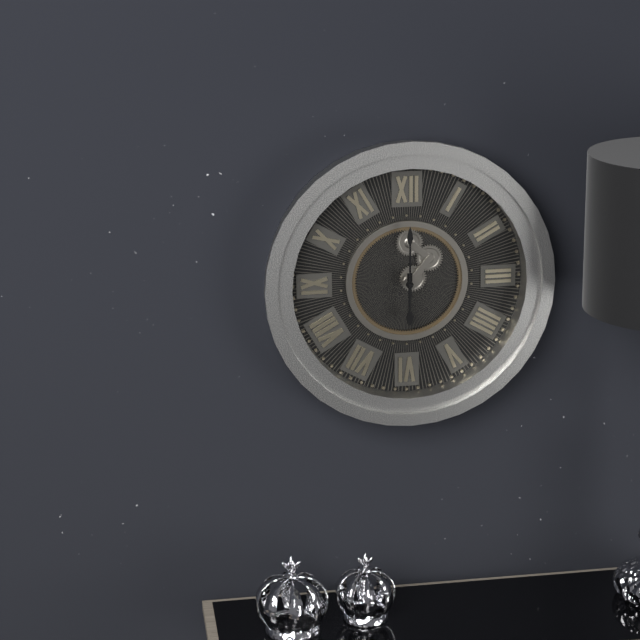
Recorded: 6.00
